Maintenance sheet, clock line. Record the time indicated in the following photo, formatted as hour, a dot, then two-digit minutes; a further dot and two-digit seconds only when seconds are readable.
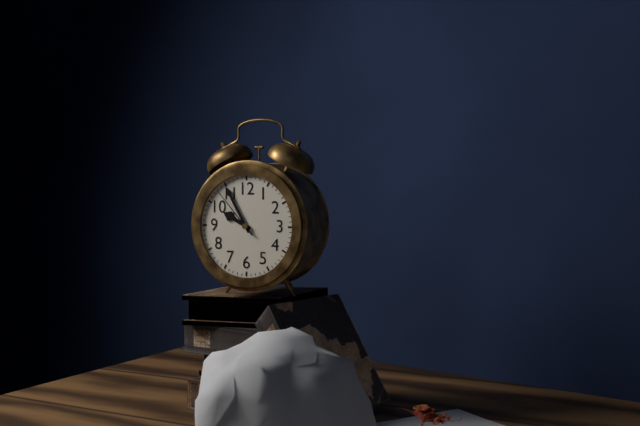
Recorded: 9.55.53
